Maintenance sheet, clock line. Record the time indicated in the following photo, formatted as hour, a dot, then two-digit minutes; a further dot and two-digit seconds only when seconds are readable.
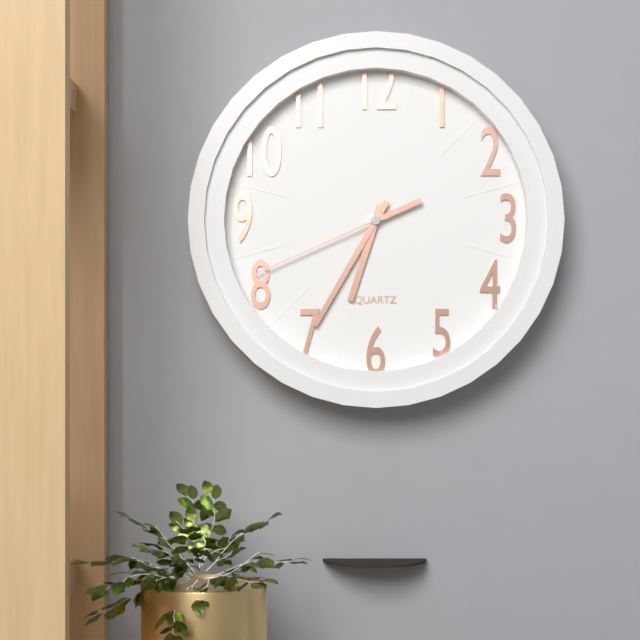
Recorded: 6.35.41
